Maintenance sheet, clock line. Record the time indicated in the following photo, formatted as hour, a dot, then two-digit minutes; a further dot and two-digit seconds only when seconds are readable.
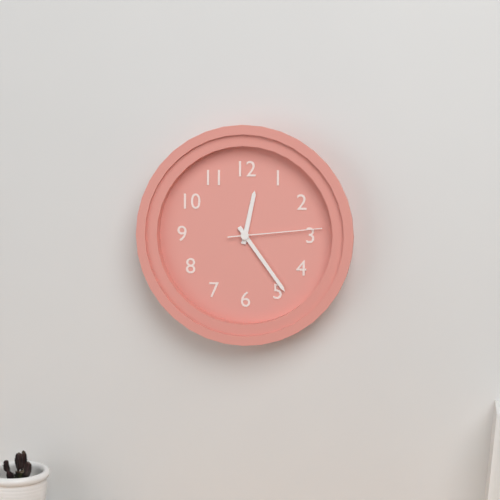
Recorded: 12.24.14
